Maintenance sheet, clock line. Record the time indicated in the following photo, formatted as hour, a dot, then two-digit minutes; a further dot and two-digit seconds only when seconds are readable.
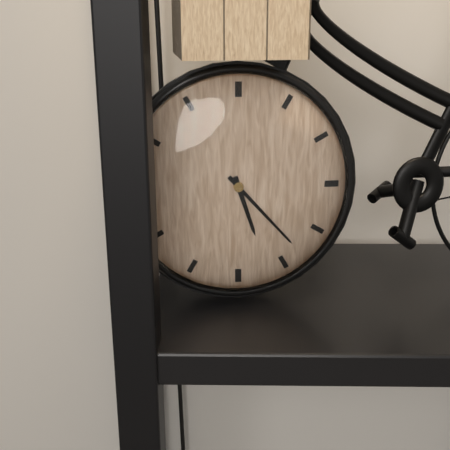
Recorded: 5.23
